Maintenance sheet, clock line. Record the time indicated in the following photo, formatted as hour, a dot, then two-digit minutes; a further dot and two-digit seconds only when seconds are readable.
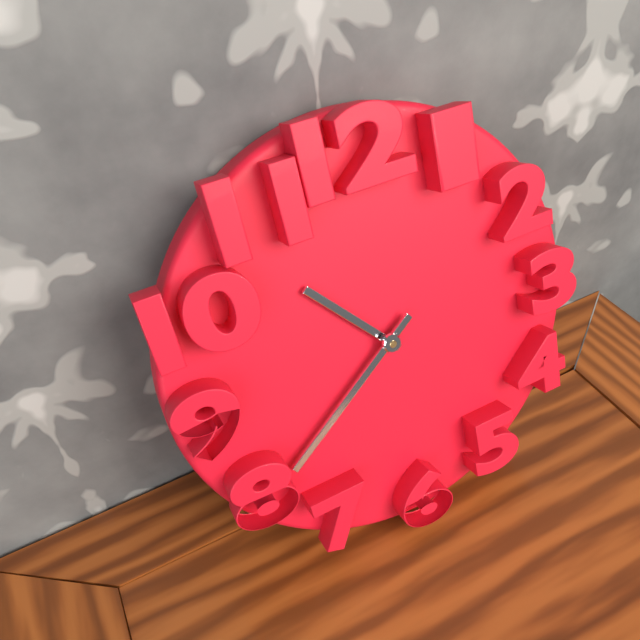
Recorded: 10.39
